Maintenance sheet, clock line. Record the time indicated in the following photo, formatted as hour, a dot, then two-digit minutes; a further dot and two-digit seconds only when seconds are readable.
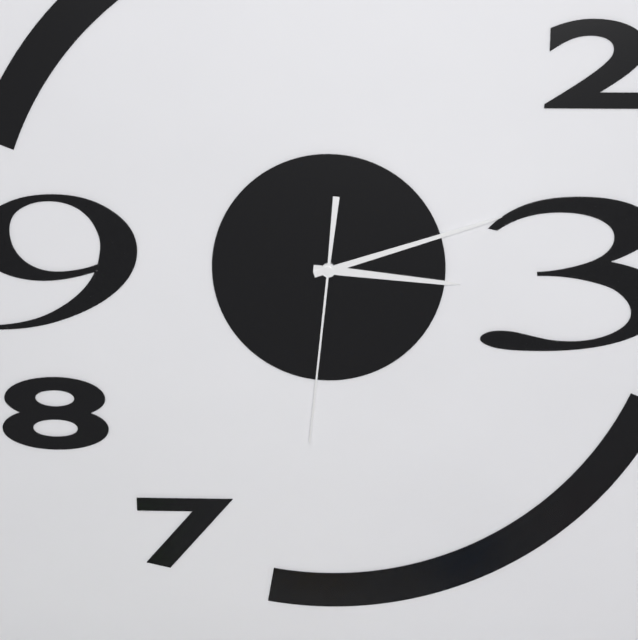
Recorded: 3.12.31
